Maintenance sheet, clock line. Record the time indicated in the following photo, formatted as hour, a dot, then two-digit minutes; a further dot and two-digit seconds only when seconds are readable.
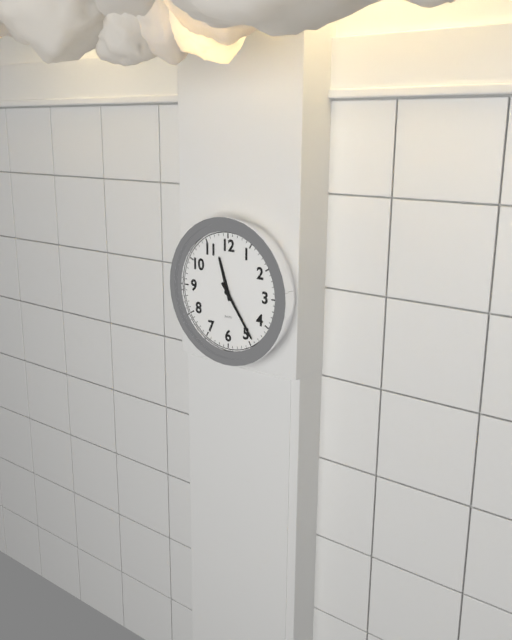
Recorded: 11.24
